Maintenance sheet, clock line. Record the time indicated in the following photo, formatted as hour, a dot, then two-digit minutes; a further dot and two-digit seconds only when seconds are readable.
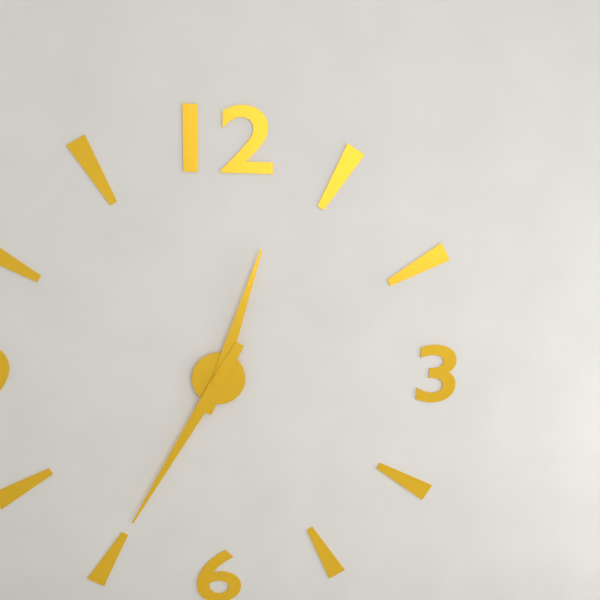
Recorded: 12.35
